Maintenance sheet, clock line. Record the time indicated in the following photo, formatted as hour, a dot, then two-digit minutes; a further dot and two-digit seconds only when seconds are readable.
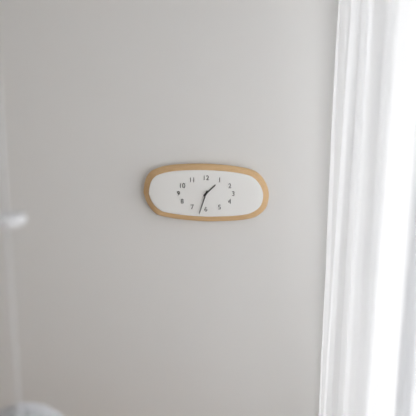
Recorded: 1.33
